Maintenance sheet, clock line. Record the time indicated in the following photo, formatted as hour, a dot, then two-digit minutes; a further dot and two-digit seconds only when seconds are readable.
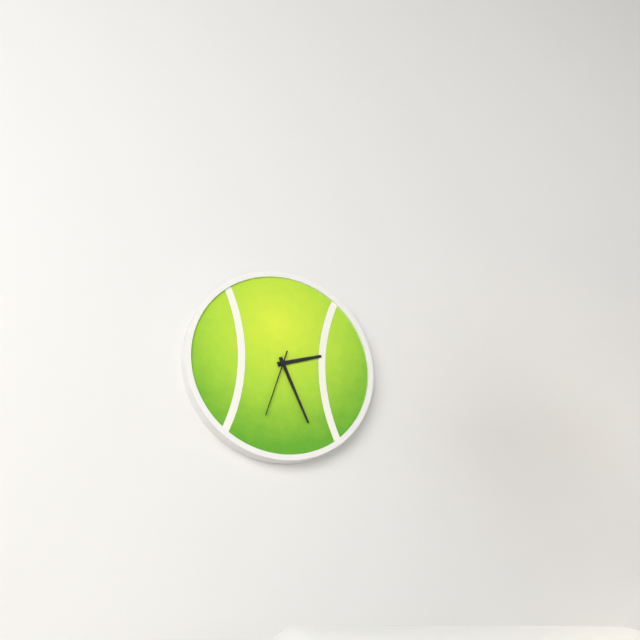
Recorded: 2.26.33
